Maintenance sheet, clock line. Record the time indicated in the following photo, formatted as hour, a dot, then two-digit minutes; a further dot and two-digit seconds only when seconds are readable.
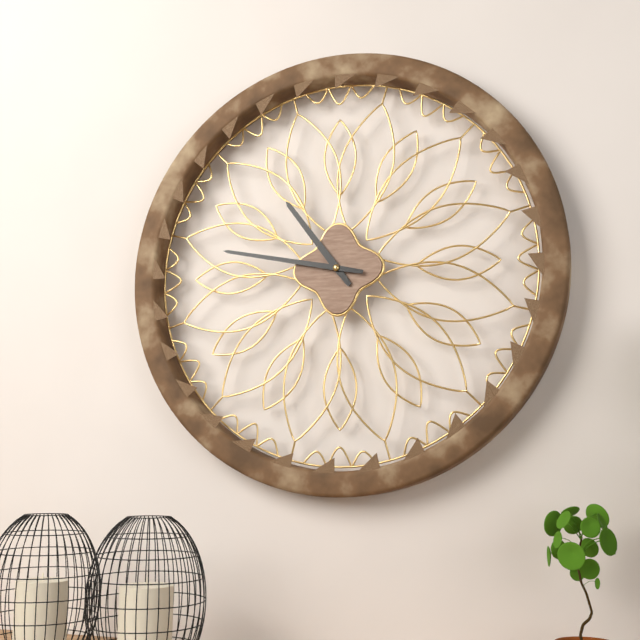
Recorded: 10.47
